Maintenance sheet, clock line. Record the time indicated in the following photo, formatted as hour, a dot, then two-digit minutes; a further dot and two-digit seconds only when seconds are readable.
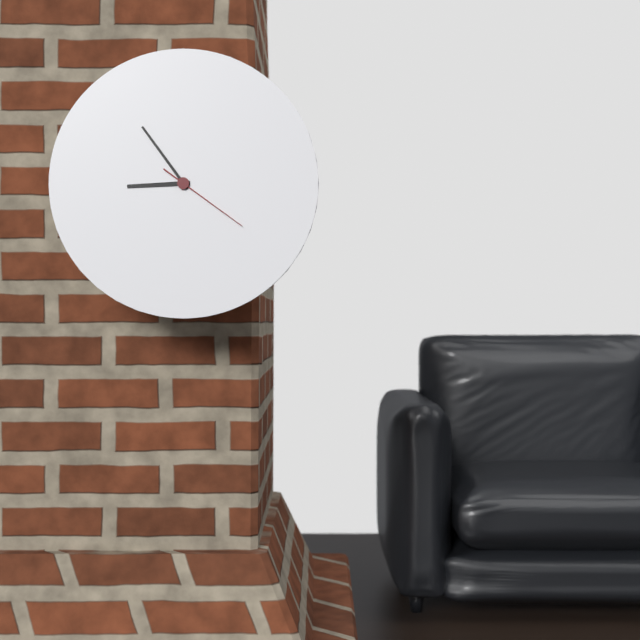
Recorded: 8.54.21
